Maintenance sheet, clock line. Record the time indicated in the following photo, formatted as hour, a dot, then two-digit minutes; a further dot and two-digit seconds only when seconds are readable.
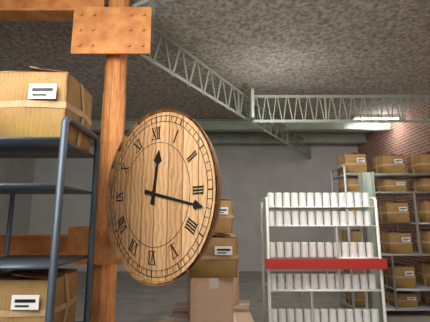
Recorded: 12.17
